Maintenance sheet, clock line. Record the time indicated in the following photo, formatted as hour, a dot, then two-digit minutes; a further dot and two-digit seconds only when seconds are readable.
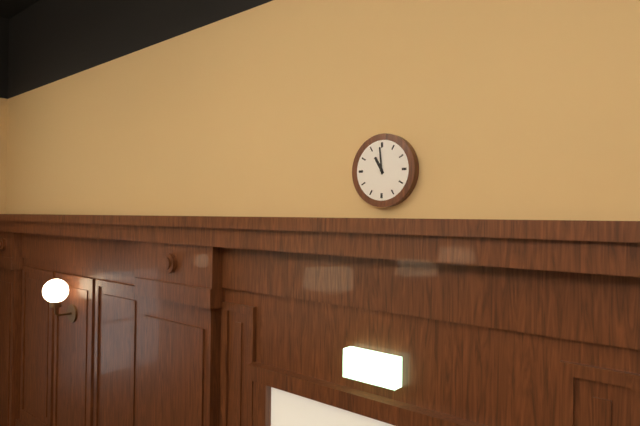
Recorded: 10.59
